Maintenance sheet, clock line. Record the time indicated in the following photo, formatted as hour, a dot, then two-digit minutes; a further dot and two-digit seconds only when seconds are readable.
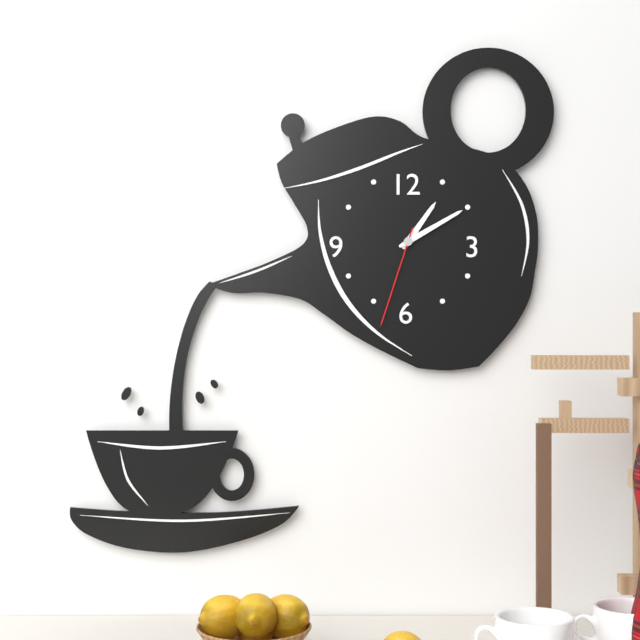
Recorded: 1.10.33
